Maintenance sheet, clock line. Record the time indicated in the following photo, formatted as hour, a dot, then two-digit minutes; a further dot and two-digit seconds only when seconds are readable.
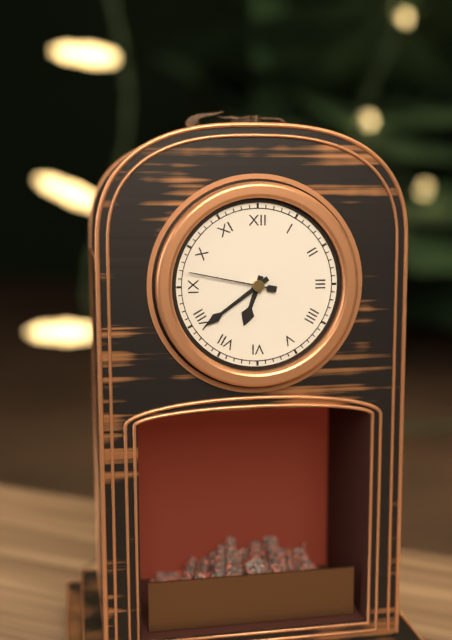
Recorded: 6.39.47
